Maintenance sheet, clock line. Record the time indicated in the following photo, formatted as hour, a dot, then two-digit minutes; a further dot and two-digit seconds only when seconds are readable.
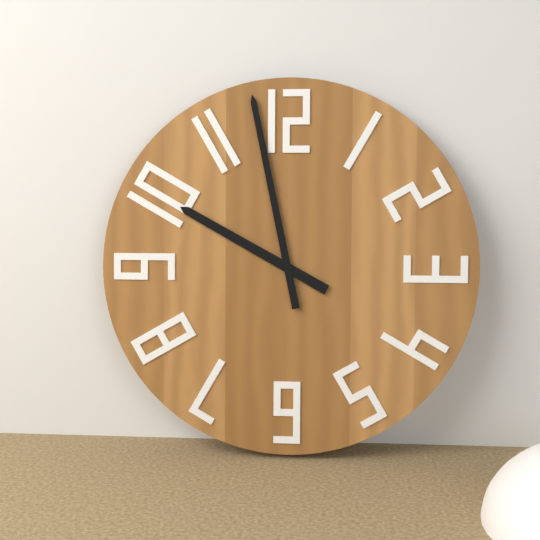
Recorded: 9.58
